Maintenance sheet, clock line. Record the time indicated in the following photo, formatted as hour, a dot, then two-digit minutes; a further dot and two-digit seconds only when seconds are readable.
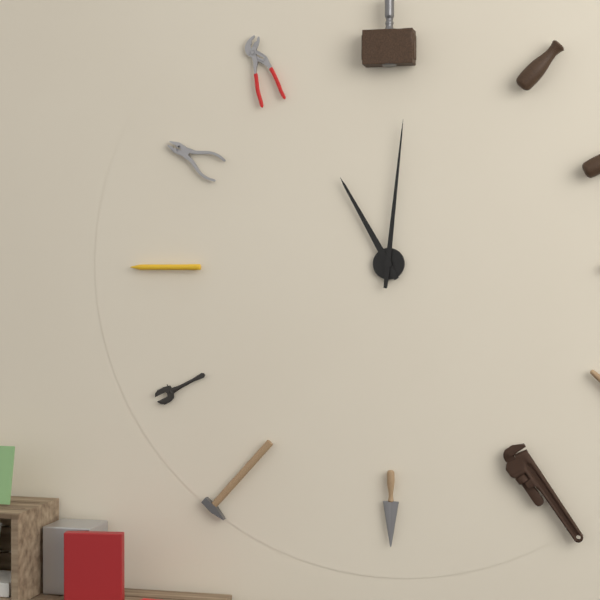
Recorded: 11.01
